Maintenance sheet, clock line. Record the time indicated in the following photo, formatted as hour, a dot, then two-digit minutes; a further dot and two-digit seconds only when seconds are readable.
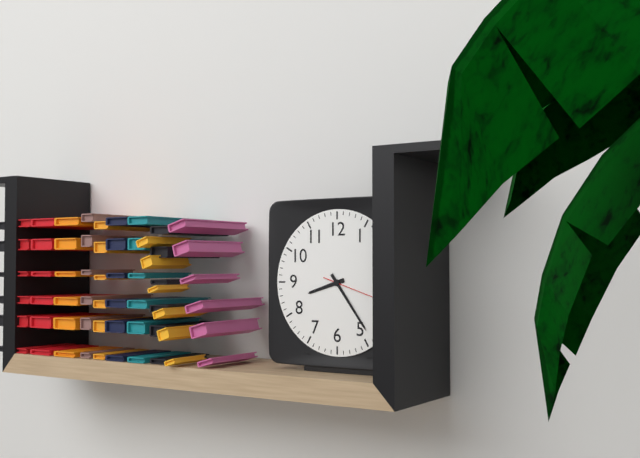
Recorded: 8.24
